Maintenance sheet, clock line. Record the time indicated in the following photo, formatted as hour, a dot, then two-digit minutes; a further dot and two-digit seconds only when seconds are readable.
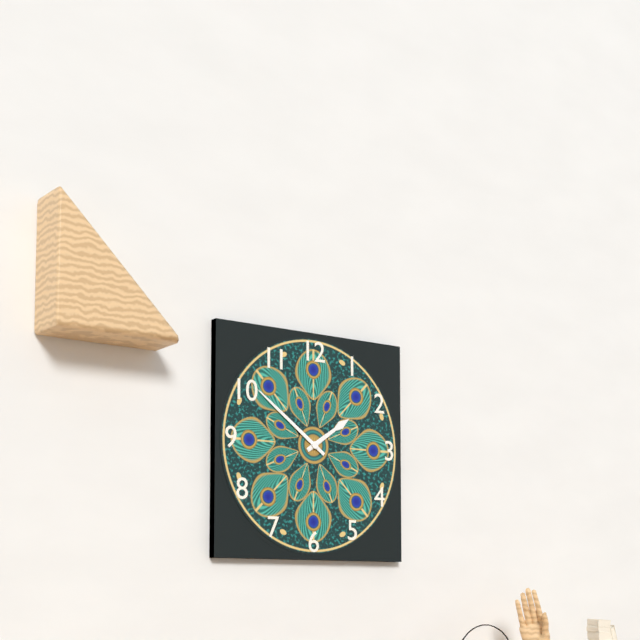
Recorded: 1.51
